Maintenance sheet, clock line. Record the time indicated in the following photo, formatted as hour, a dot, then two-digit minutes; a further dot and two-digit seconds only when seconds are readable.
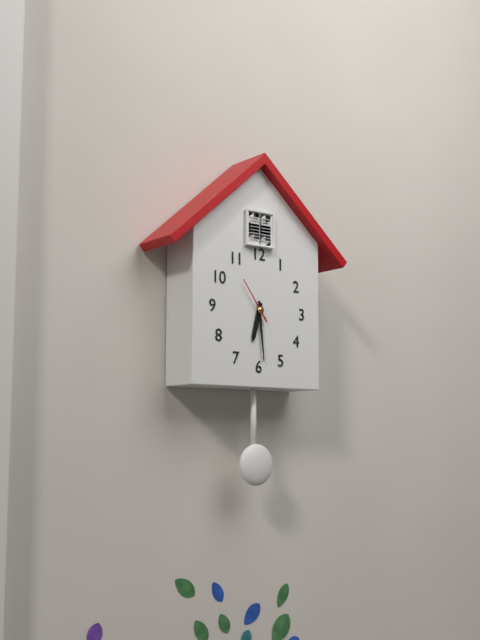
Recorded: 6.29
